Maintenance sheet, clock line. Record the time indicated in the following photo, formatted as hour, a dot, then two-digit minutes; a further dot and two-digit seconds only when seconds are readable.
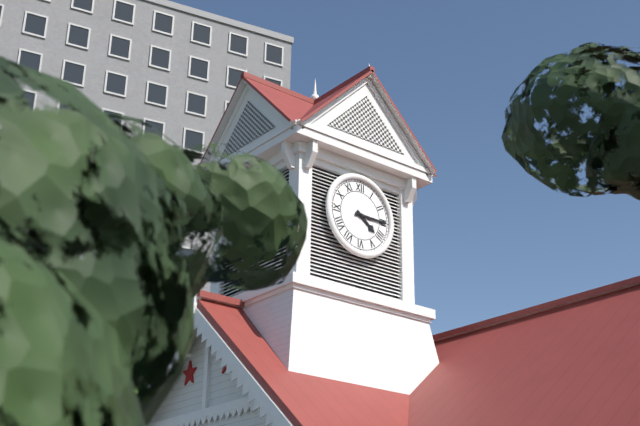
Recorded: 4.15
